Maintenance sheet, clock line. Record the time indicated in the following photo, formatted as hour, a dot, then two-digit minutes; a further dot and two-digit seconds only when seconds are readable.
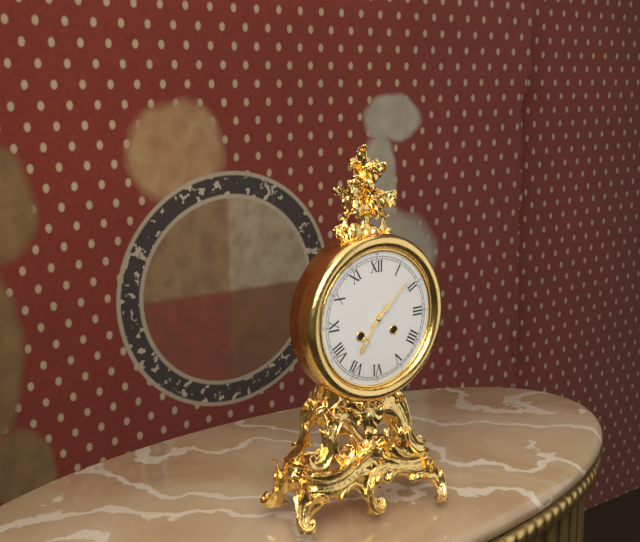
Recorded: 7.08
